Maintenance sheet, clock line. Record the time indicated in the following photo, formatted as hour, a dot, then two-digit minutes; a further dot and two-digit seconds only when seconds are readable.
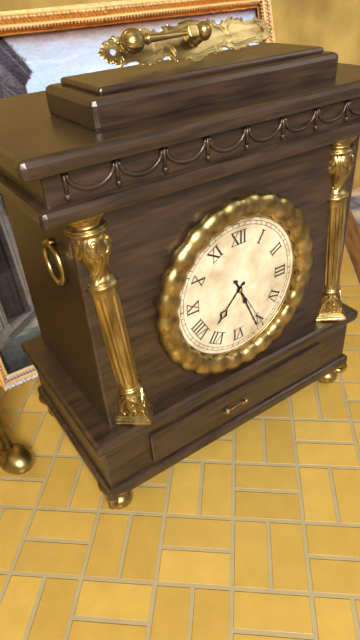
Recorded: 7.26.25
